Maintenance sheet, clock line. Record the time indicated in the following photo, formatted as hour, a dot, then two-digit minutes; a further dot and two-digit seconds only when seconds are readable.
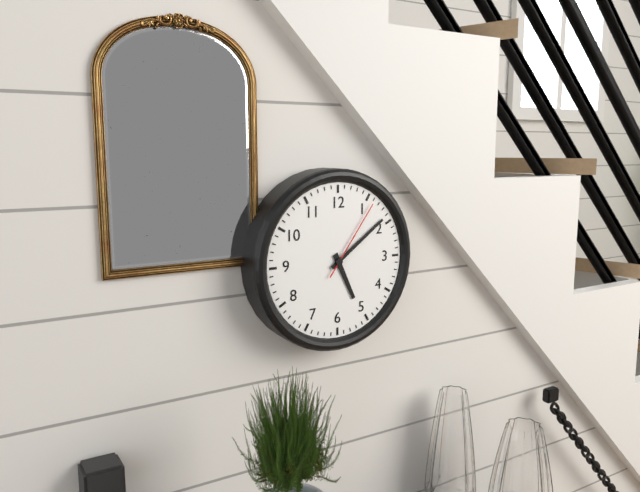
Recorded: 5.09.06
